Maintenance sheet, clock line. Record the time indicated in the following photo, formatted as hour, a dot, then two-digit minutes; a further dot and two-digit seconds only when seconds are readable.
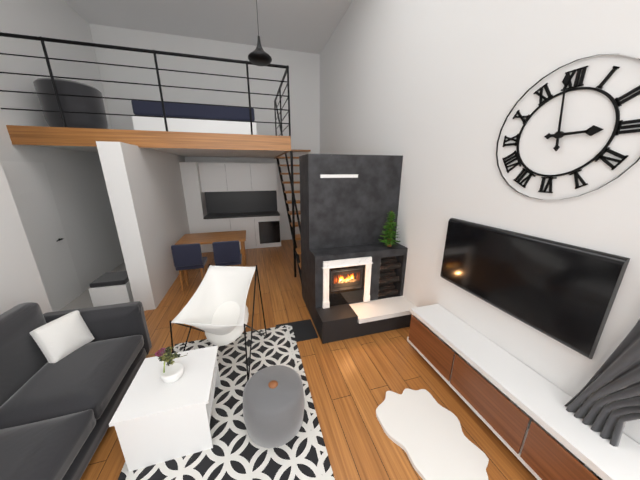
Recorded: 2.59
